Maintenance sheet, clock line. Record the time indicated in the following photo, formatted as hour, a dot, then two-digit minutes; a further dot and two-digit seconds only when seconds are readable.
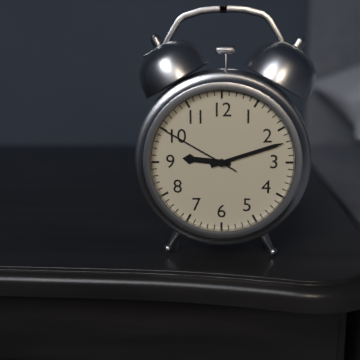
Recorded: 9.12.50
